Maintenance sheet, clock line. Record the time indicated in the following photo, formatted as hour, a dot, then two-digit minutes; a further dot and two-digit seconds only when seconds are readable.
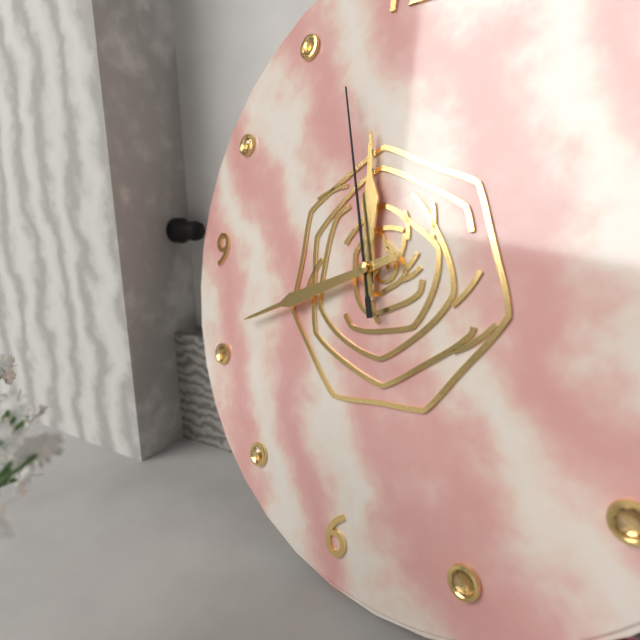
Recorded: 11.41.57
